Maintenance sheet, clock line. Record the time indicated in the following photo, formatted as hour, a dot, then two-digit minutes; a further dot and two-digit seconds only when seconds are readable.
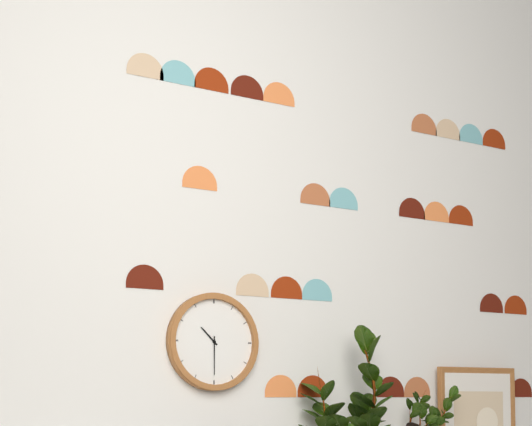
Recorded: 10.30
